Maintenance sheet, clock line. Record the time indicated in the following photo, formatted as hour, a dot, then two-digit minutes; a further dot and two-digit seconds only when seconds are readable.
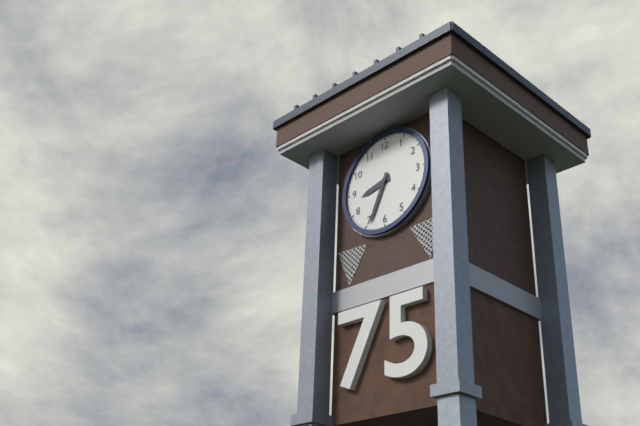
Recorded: 8.34
